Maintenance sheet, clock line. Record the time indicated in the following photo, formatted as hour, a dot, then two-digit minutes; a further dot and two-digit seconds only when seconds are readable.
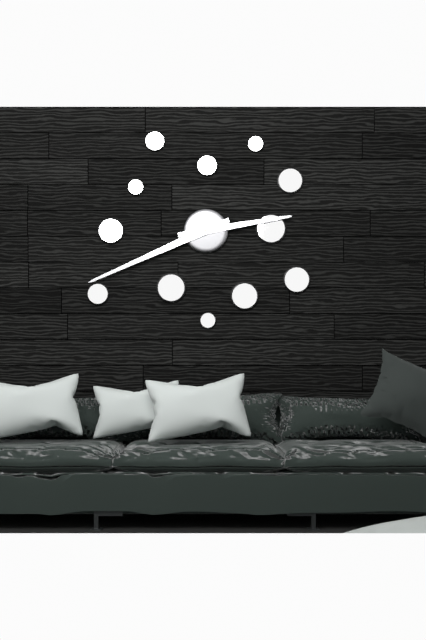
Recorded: 2.41
